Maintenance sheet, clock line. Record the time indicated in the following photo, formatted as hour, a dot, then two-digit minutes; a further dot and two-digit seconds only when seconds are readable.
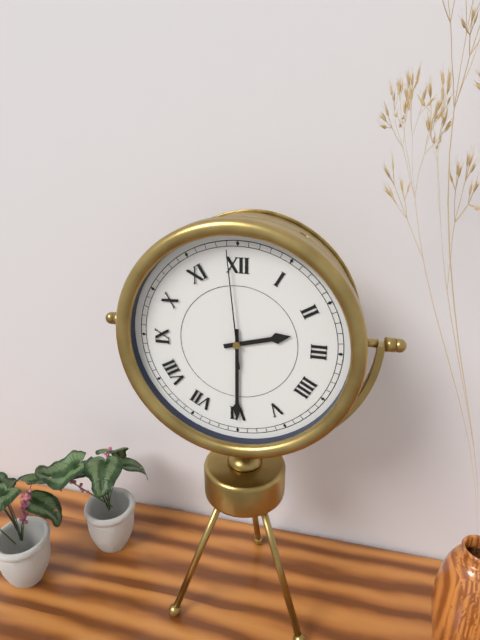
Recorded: 2.30.59
